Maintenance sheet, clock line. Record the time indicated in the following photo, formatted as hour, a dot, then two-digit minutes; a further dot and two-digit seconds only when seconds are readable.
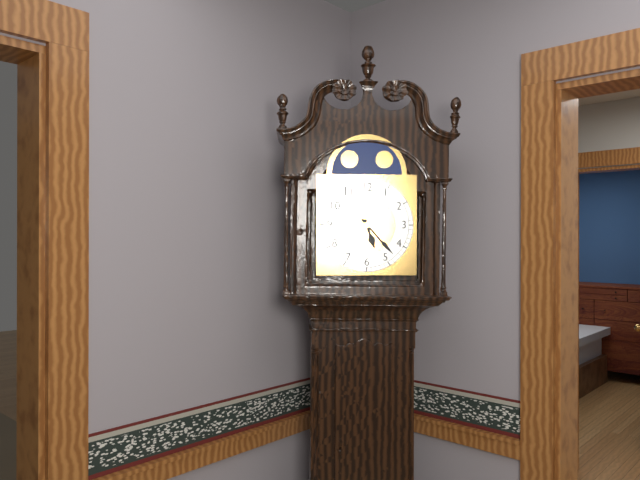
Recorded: 5.23
